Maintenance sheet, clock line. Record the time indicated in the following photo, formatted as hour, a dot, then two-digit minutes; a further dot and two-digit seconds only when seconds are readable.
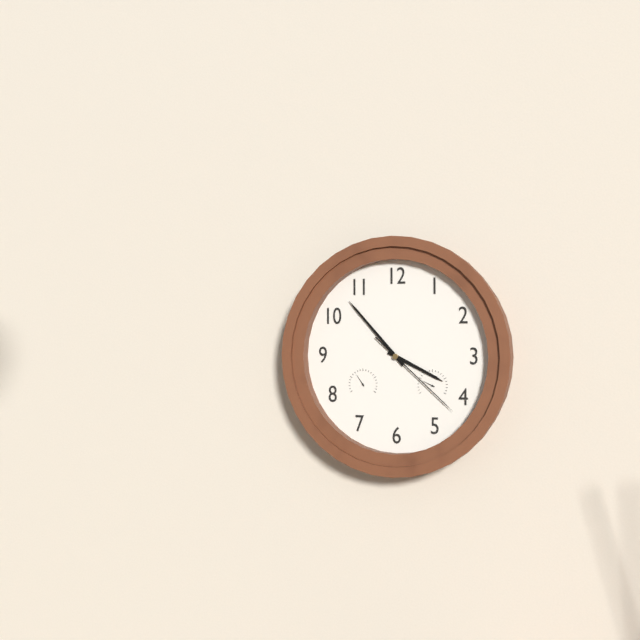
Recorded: 3.53.22
